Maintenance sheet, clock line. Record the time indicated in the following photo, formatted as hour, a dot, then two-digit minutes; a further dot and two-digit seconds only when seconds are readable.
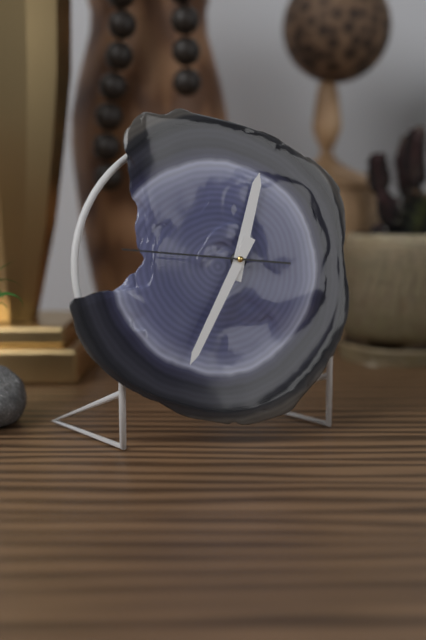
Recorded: 12.35.46
